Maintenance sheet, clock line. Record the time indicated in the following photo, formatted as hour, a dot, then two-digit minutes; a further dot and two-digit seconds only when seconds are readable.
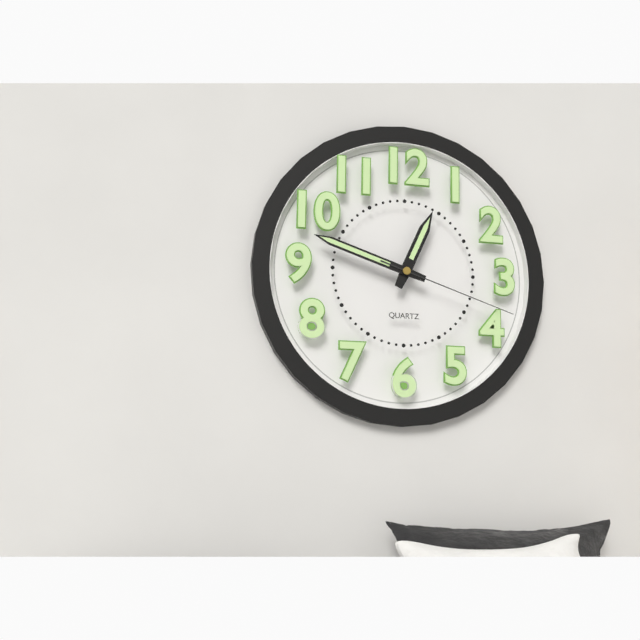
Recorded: 12.48.18
